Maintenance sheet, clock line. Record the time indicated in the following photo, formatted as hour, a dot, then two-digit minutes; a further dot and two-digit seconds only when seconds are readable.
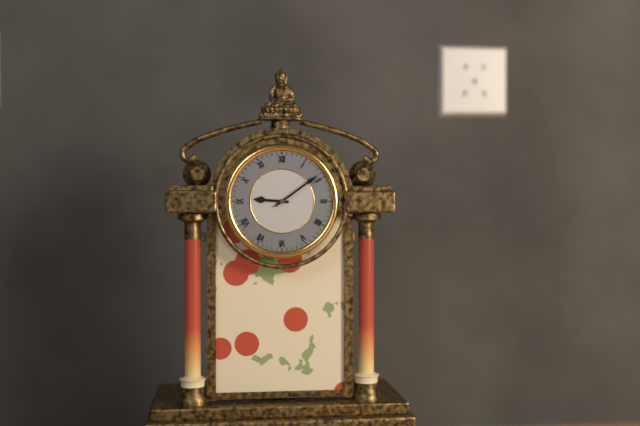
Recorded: 9.09
